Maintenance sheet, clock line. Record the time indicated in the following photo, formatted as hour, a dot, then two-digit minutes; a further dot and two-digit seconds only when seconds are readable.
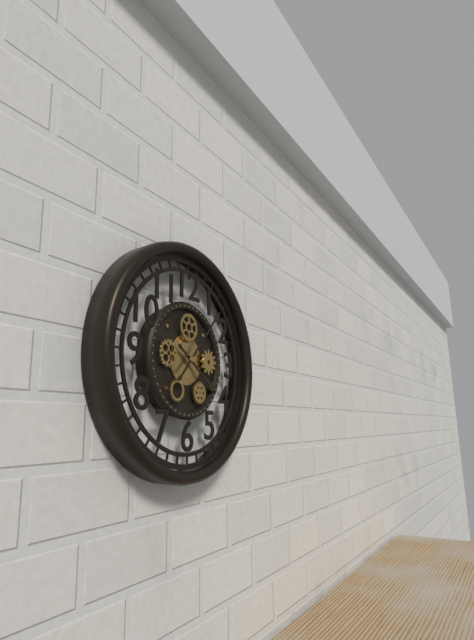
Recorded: 4.07
